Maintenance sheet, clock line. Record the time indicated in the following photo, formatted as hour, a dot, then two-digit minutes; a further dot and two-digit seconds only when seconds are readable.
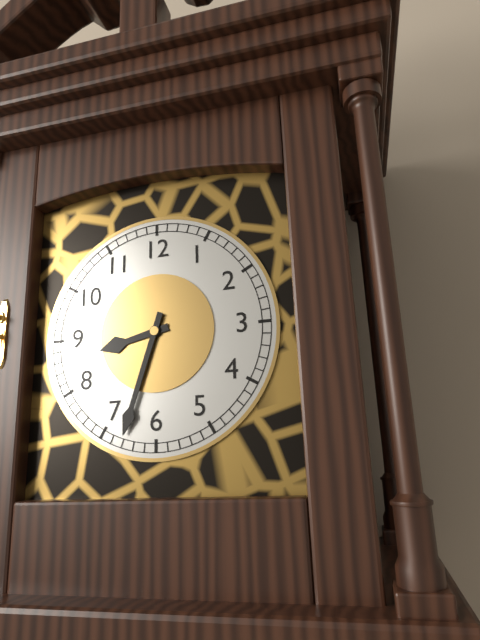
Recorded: 8.33
